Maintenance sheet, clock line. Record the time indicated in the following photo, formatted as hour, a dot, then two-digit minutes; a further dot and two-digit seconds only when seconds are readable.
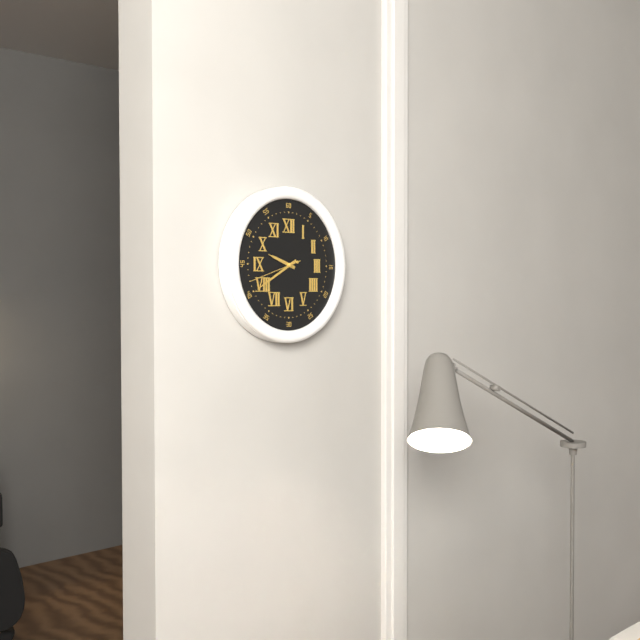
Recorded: 9.40.42
